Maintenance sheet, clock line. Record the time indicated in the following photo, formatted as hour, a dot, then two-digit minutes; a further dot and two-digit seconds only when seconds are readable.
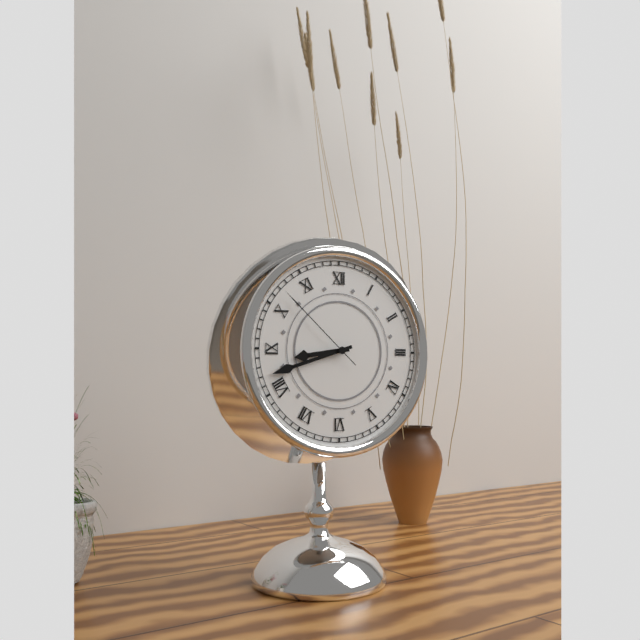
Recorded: 8.42.52
